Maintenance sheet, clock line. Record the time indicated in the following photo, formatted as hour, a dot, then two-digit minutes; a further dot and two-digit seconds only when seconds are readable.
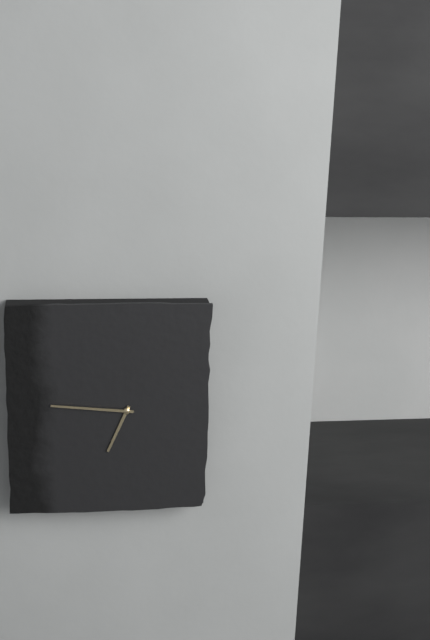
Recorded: 6.46
